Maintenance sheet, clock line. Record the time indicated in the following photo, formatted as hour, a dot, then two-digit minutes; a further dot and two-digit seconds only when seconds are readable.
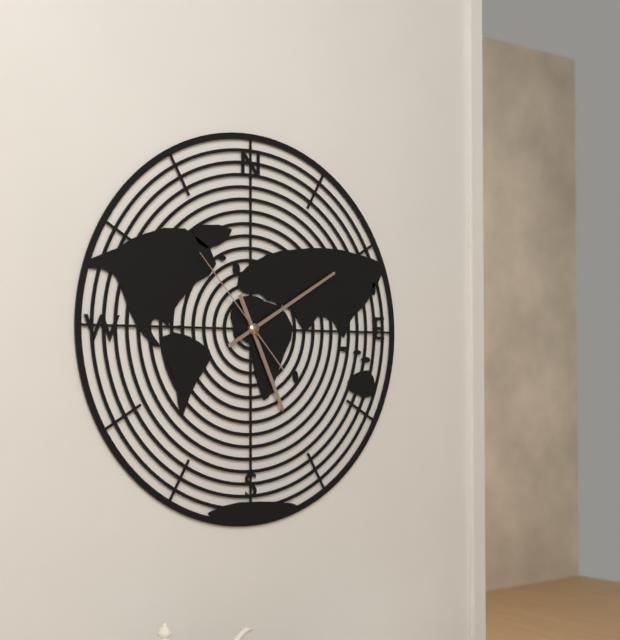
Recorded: 5.10.53
